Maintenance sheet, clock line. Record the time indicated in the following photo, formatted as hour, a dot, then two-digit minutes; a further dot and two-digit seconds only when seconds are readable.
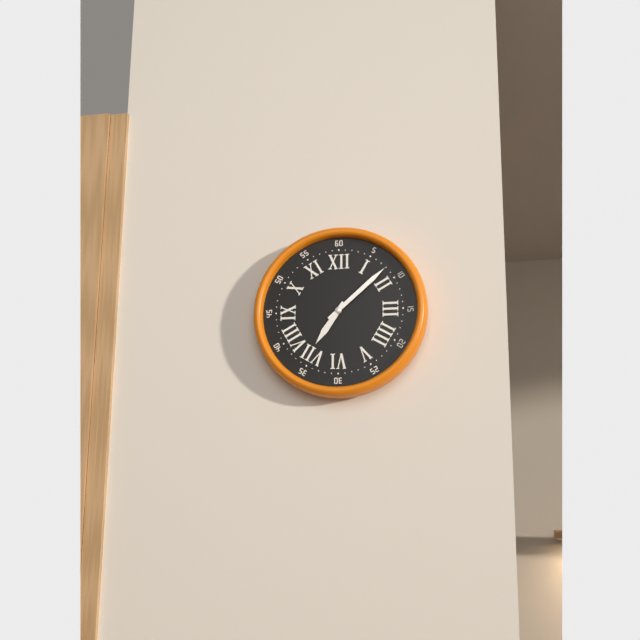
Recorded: 7.08
